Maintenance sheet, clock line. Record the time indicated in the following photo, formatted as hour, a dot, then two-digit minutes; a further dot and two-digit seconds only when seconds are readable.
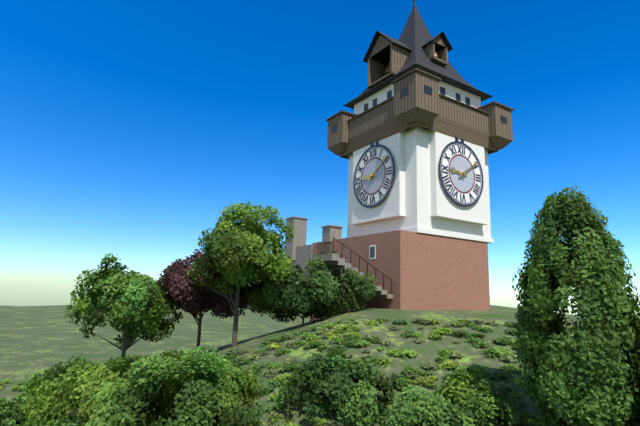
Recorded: 9.09
